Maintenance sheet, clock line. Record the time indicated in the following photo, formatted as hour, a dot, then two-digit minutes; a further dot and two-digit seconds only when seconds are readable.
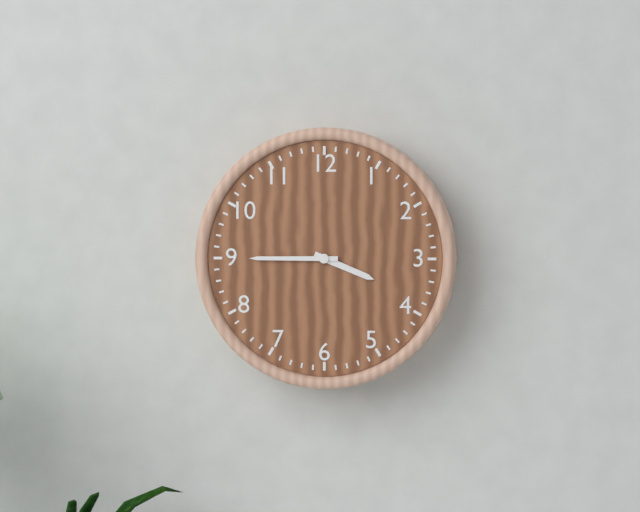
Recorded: 3.45
